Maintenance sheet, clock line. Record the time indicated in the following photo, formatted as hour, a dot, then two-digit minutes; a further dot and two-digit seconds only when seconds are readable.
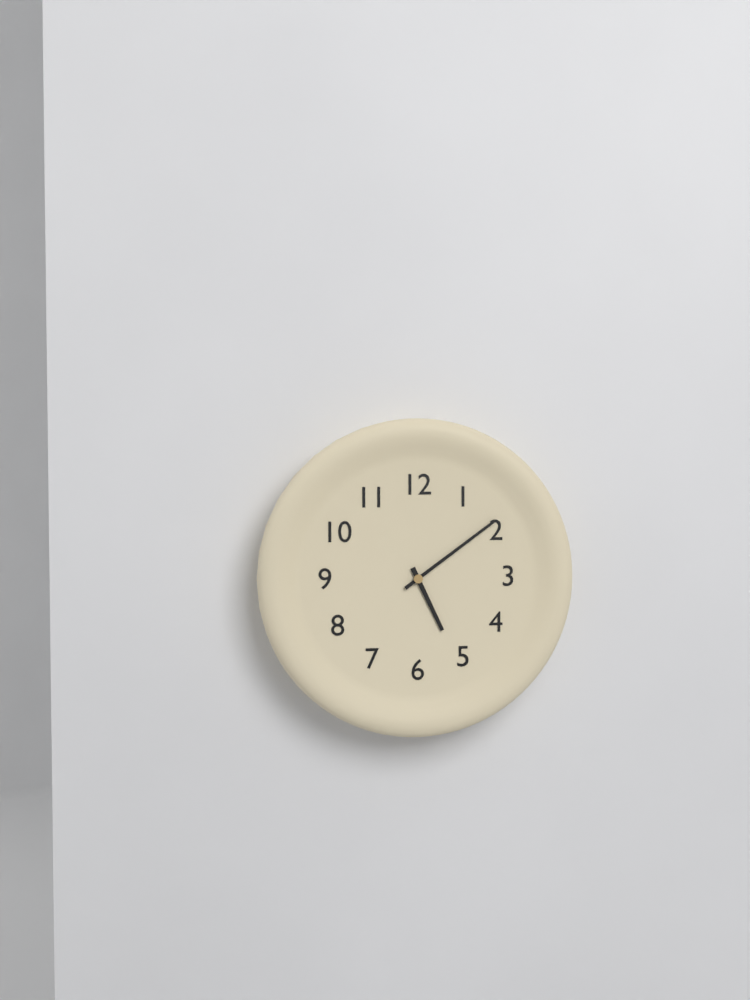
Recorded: 5.09
